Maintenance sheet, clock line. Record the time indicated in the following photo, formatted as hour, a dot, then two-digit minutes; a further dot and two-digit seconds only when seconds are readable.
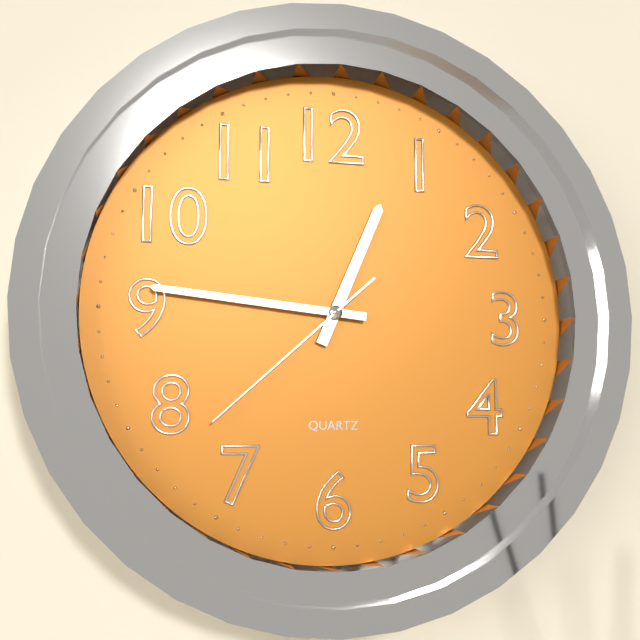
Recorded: 12.46.38
